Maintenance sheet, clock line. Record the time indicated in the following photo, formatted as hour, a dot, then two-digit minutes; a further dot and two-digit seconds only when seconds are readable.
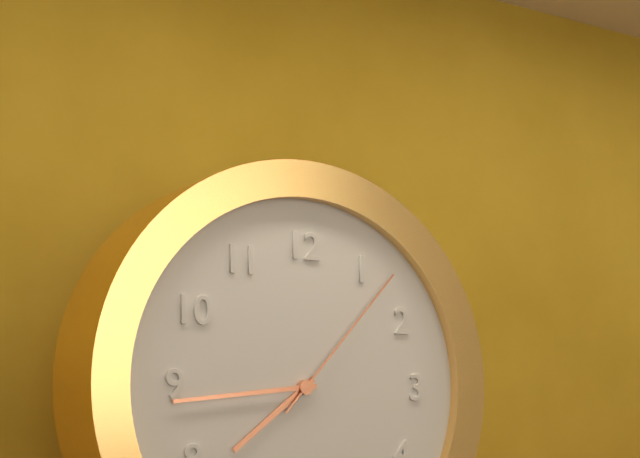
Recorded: 7.44.07
